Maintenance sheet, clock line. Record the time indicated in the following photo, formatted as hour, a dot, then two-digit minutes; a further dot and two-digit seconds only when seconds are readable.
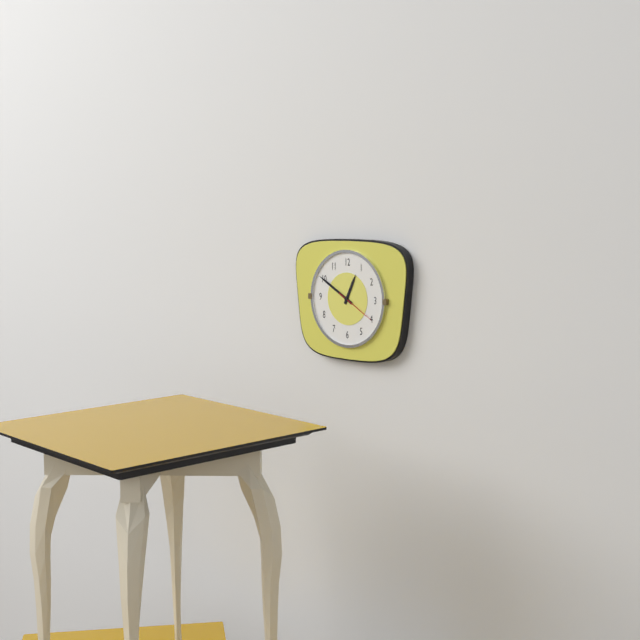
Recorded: 12.50
